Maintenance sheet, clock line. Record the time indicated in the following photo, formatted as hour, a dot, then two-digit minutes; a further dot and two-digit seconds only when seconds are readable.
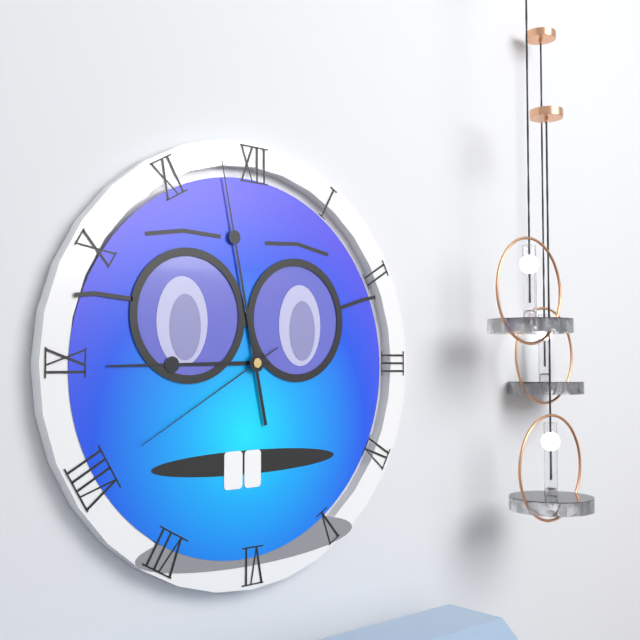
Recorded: 8.58.40
